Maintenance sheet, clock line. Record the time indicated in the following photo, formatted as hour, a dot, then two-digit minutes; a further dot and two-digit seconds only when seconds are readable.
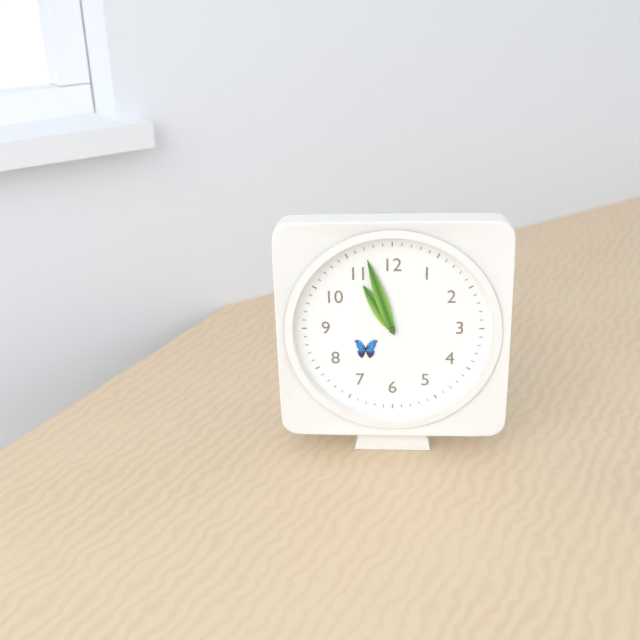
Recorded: 10.57
